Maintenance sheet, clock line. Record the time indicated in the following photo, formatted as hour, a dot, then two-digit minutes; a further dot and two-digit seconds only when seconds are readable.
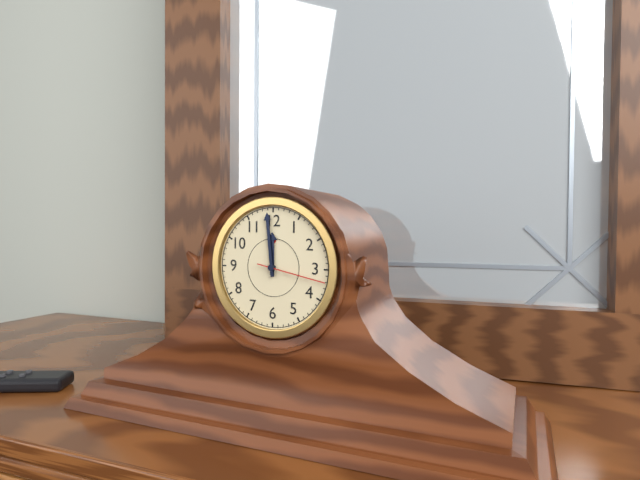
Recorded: 11.59.17
